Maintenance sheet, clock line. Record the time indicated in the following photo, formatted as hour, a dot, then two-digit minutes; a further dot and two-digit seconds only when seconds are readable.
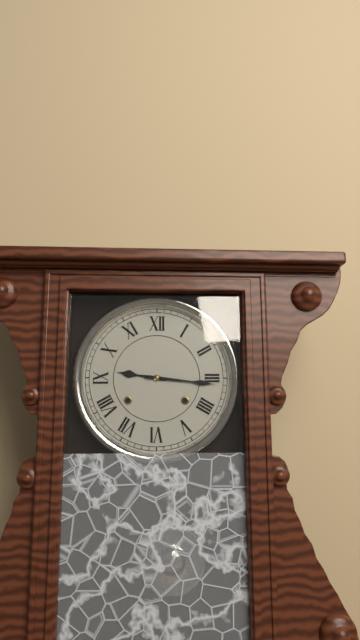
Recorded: 9.16
